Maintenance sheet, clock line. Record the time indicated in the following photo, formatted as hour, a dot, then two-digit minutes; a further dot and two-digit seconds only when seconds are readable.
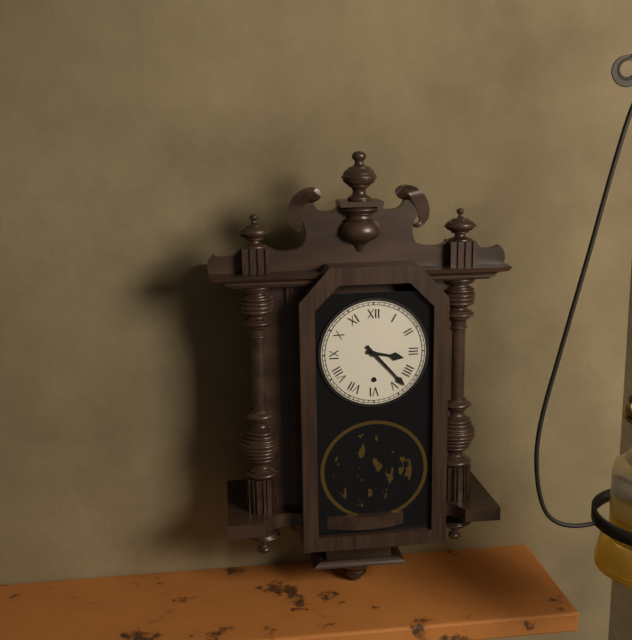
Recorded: 3.23
